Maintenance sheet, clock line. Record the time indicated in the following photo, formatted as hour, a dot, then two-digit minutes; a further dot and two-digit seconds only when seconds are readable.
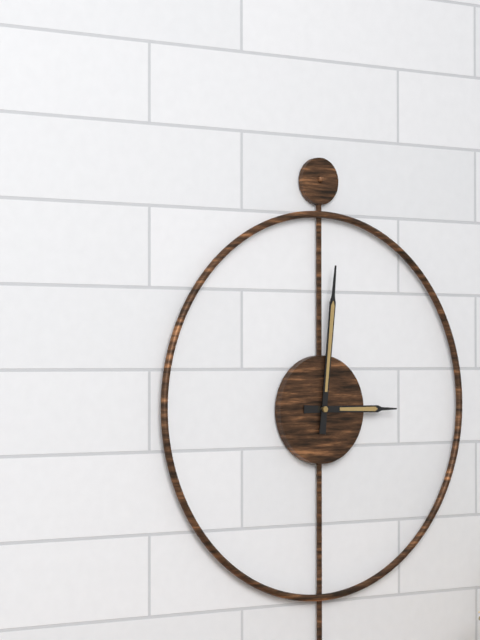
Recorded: 3.01
